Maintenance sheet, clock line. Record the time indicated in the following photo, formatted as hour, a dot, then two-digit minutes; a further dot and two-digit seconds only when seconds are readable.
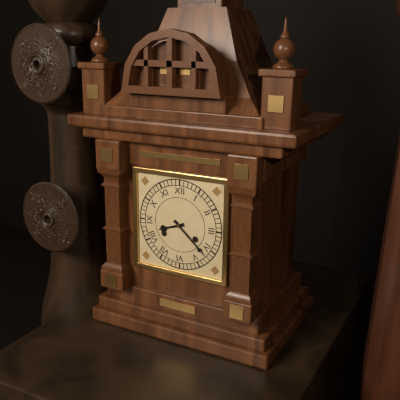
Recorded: 8.22
